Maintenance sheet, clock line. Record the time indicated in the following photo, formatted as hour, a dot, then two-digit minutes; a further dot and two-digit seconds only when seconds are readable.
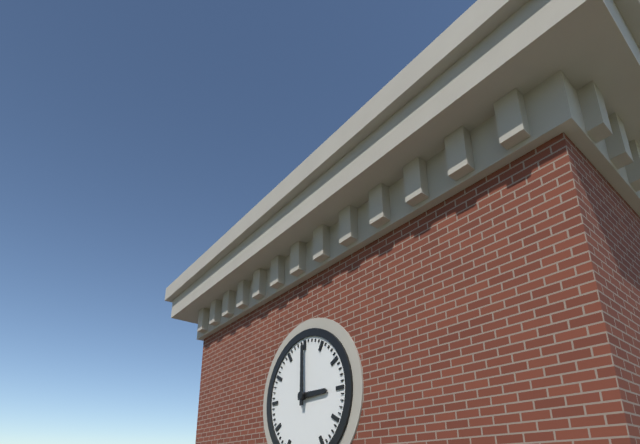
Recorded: 3.00
